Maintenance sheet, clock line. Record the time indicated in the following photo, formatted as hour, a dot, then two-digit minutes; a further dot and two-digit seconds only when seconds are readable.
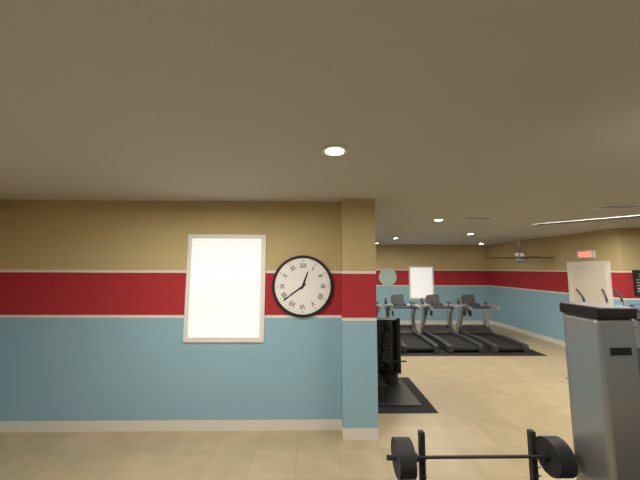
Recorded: 12.39
